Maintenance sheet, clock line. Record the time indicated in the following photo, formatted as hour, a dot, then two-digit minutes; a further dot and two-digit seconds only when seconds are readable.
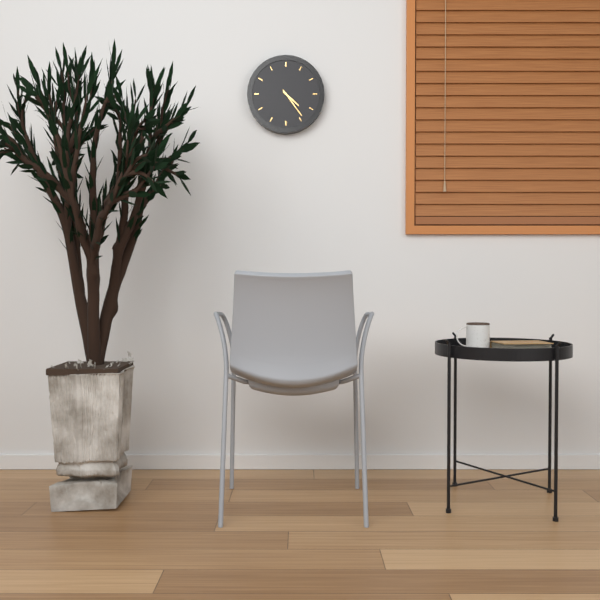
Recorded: 4.24
